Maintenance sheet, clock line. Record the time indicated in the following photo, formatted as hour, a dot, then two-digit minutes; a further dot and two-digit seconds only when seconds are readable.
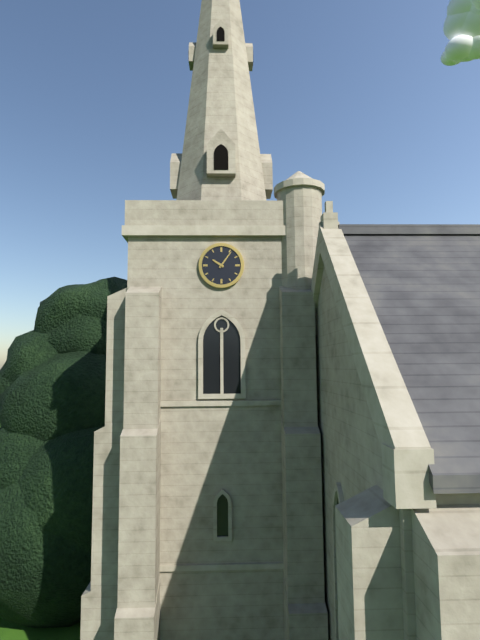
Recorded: 10.06
